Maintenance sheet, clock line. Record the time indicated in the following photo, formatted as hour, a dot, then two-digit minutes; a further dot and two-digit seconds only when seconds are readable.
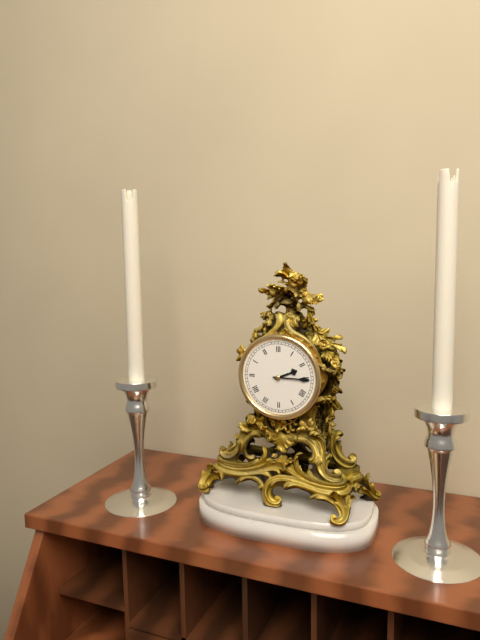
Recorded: 2.15
